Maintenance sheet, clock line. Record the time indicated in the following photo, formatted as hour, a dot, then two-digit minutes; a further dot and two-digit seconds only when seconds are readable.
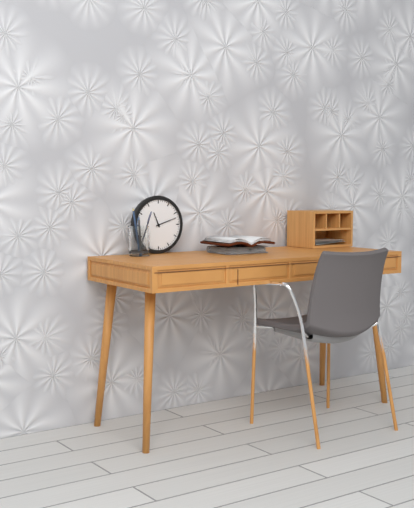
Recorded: 11.12
